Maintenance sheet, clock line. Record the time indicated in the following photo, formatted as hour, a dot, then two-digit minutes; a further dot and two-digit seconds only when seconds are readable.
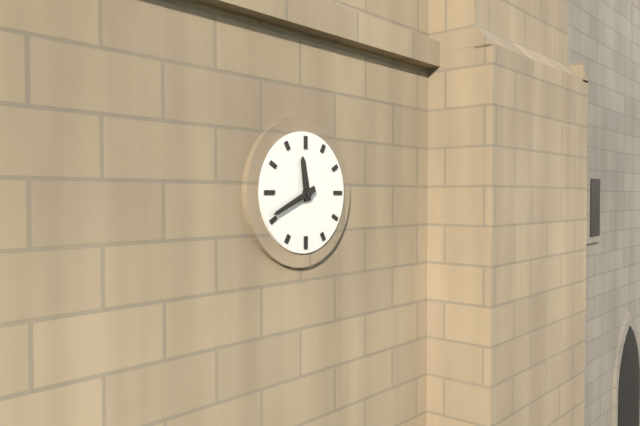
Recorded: 11.41
